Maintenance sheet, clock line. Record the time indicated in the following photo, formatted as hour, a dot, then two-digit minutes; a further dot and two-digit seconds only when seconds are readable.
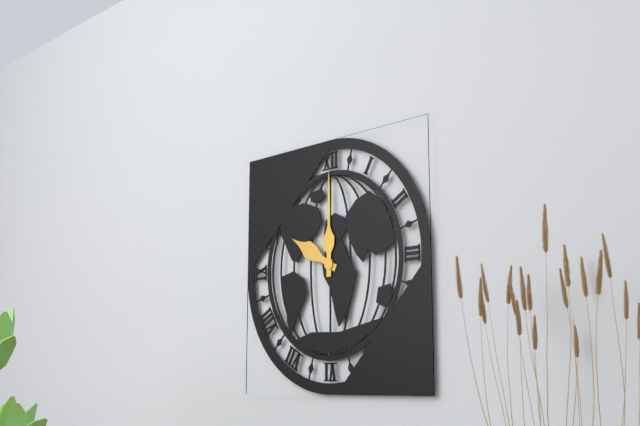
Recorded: 10.00
